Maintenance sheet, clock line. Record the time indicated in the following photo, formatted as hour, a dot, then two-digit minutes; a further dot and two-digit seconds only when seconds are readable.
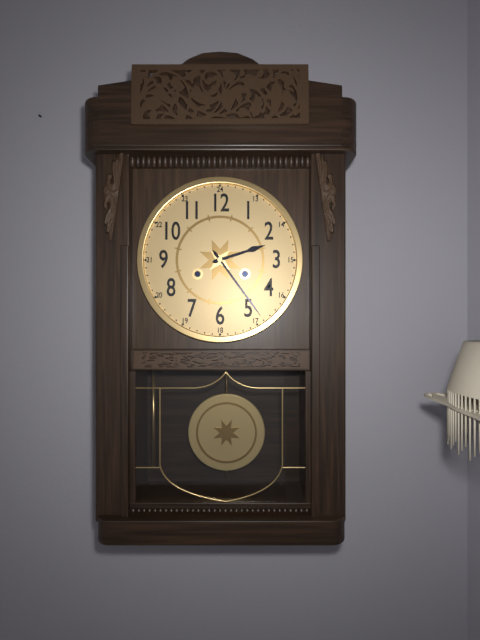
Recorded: 2.24
